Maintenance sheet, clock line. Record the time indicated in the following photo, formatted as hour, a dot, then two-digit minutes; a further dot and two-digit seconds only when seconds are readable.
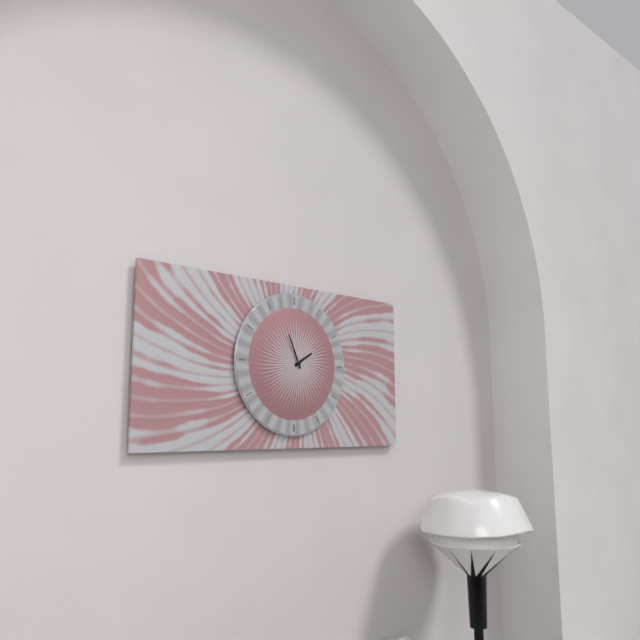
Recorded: 1.56
